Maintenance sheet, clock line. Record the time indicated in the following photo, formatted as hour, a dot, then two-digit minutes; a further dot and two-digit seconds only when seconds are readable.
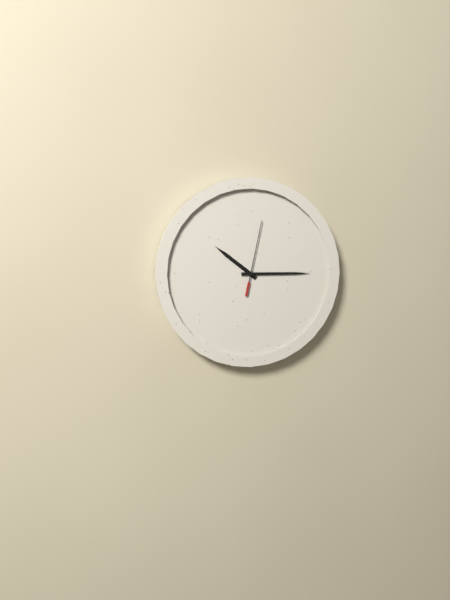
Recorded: 10.15.02
